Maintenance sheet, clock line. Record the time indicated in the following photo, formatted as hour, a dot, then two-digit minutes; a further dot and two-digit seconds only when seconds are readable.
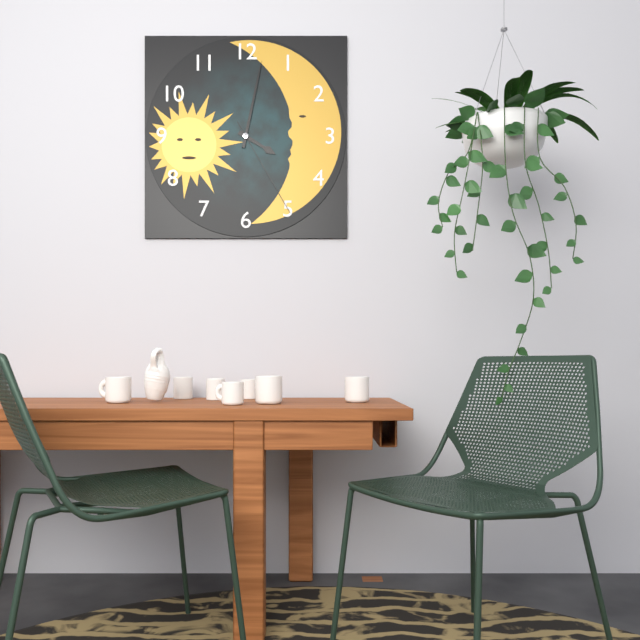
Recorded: 4.02.25
